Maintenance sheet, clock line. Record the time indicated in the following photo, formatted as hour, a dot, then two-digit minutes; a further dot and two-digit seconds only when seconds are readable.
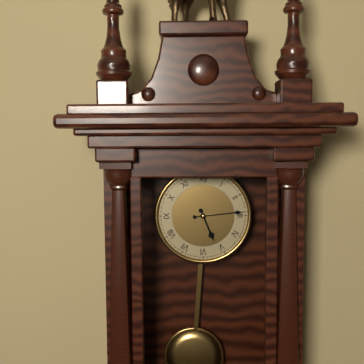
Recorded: 5.14
